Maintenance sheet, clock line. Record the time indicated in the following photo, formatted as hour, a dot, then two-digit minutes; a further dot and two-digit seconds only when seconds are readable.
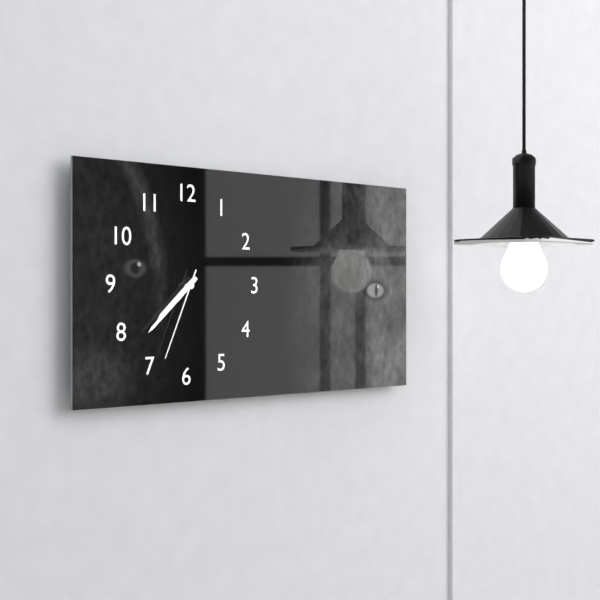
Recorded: 7.38.34
